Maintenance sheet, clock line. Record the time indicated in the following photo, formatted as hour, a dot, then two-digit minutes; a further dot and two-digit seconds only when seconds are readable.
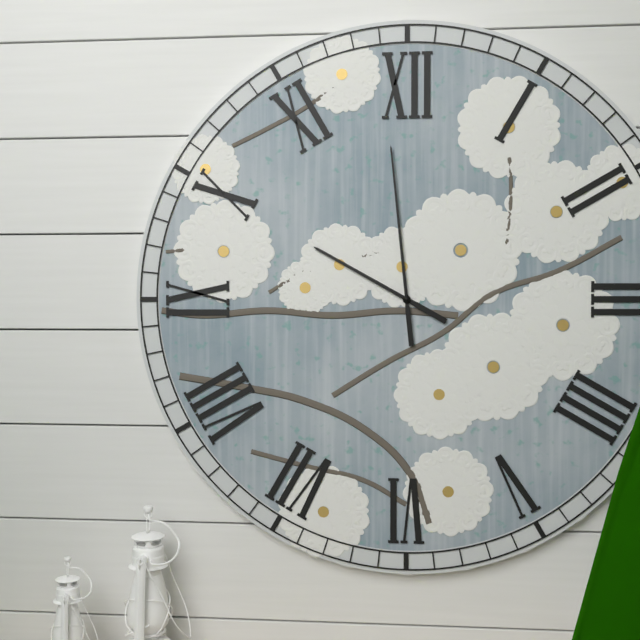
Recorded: 9.59
